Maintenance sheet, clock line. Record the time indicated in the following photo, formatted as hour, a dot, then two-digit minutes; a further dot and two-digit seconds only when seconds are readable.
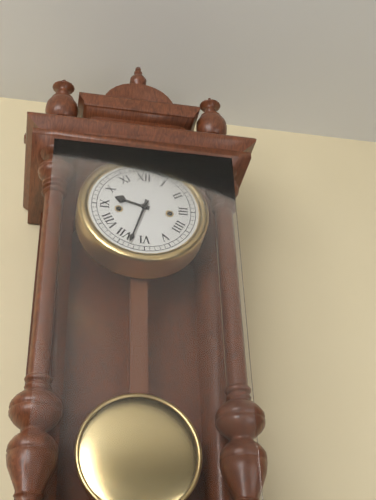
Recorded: 9.33
